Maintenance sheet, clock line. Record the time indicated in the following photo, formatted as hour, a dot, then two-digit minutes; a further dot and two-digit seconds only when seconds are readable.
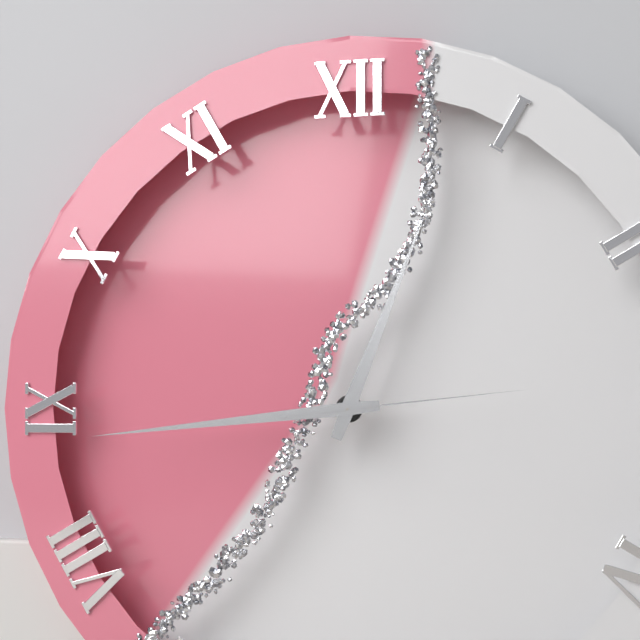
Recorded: 12.44.14
